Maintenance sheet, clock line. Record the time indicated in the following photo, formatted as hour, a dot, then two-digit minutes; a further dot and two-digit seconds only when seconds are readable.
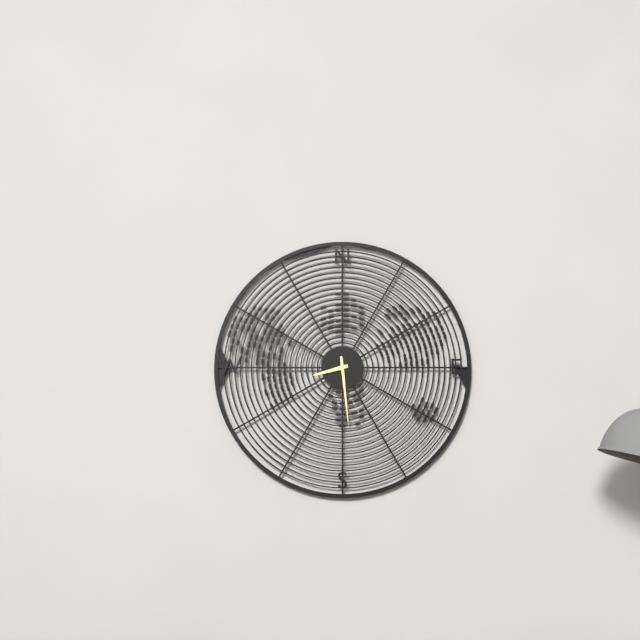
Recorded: 8.29
